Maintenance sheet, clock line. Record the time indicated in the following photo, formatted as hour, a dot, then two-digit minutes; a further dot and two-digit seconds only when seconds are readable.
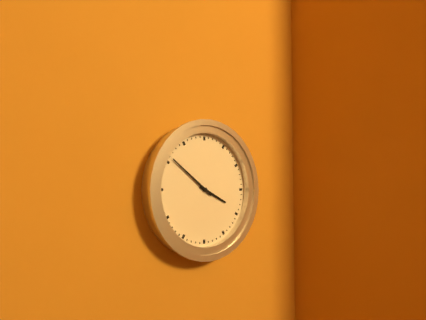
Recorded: 3.51
